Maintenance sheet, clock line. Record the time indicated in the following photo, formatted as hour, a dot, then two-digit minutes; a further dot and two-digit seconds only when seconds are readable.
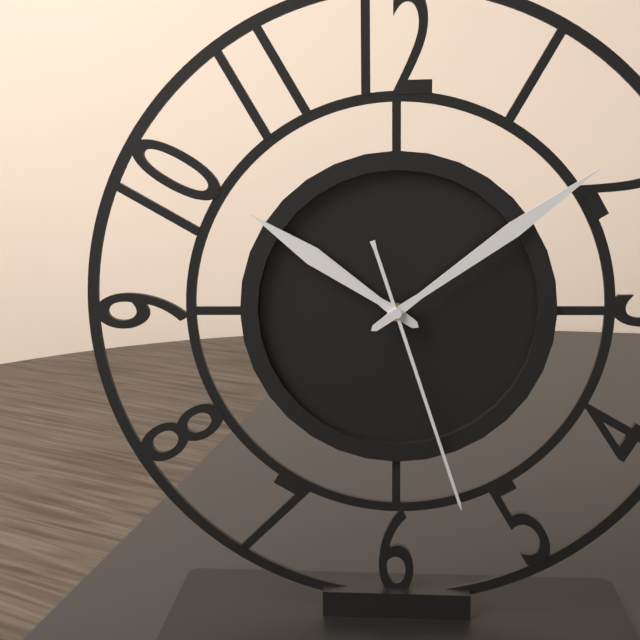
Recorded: 10.09.27
